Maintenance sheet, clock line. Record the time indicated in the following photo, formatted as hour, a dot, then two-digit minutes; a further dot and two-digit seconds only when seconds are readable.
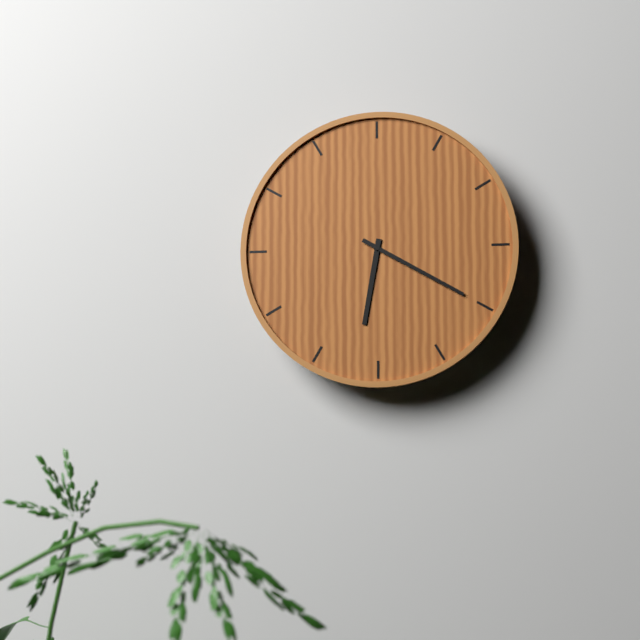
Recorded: 6.20
